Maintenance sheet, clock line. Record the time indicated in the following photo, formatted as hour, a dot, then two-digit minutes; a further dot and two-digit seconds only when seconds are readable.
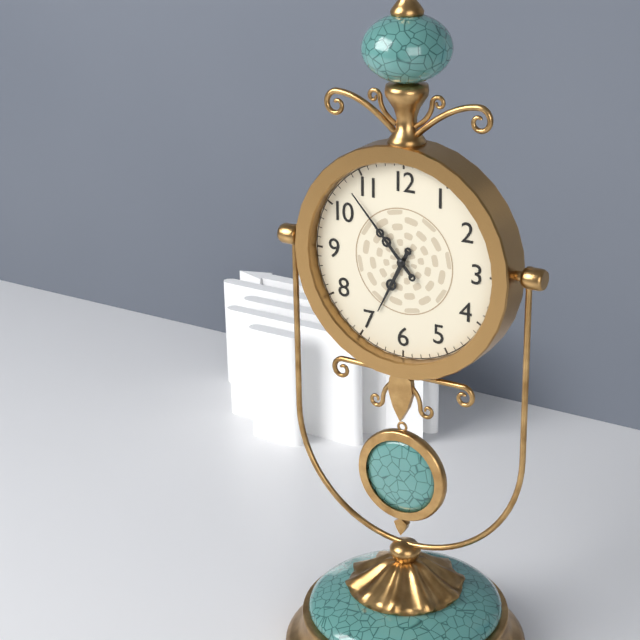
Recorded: 6.53
